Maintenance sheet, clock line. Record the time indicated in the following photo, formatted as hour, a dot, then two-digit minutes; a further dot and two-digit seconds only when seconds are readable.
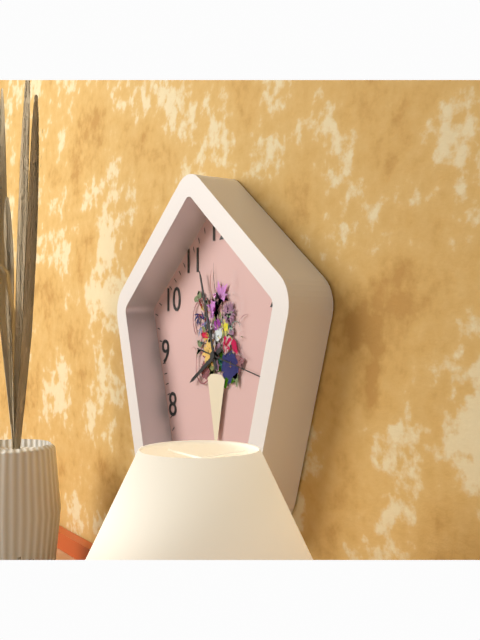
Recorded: 7.57.17
